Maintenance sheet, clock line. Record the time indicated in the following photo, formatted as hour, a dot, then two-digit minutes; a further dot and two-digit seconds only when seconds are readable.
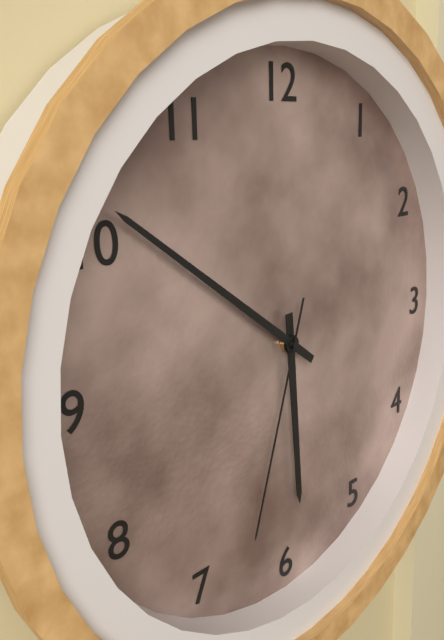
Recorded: 5.51.33
